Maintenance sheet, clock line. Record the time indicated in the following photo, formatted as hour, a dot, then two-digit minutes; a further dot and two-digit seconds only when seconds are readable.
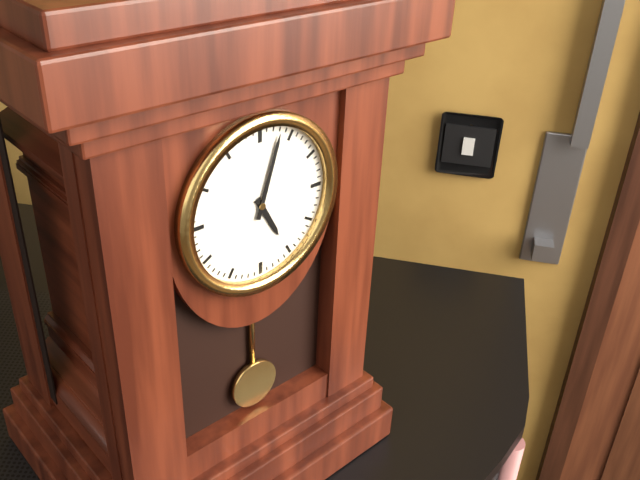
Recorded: 5.03
